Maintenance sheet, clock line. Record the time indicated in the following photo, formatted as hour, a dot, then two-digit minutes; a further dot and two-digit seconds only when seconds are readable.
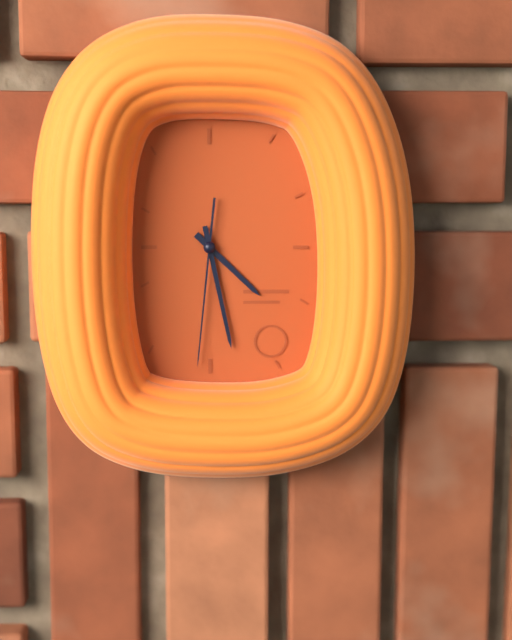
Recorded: 4.28.31
